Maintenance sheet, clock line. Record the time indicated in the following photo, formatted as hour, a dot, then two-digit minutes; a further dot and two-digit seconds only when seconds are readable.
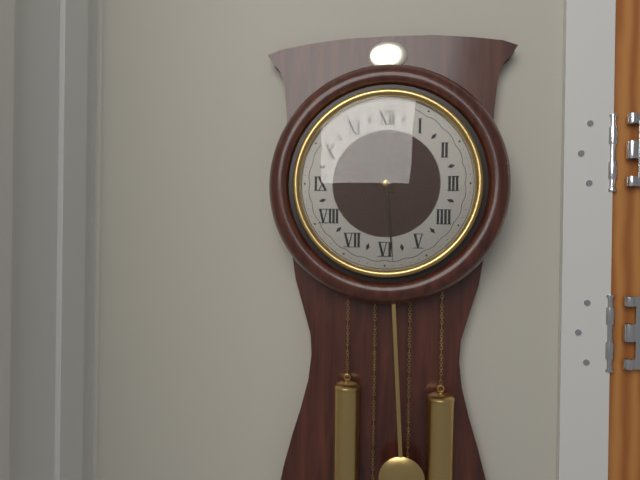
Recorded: 10.29
